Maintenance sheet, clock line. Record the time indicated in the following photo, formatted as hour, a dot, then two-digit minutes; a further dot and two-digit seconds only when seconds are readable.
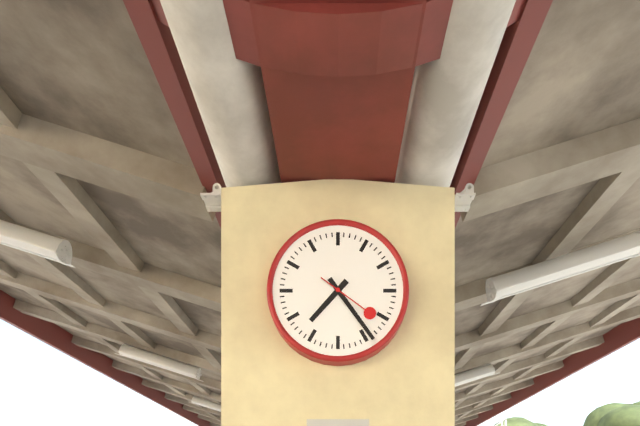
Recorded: 7.24.21
